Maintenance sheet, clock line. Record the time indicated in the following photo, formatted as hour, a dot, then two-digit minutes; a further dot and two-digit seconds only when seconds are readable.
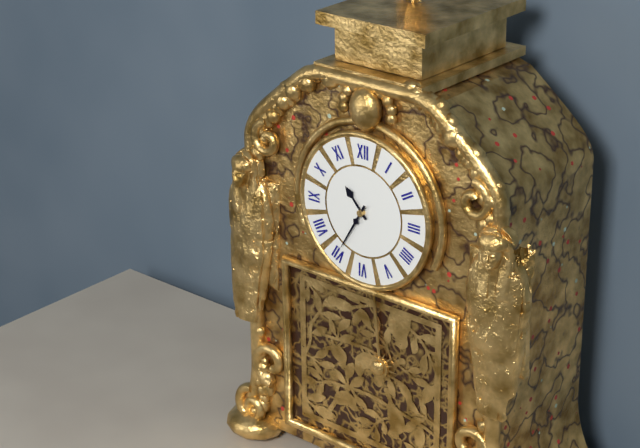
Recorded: 10.35
